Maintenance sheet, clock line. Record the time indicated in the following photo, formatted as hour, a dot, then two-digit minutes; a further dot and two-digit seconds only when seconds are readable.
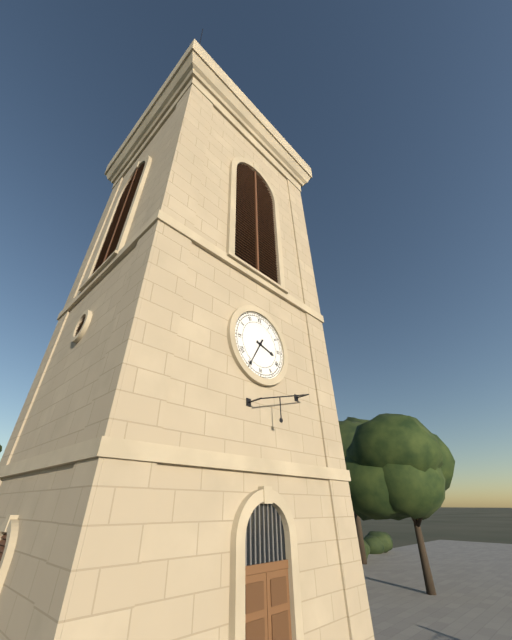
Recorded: 3.35
